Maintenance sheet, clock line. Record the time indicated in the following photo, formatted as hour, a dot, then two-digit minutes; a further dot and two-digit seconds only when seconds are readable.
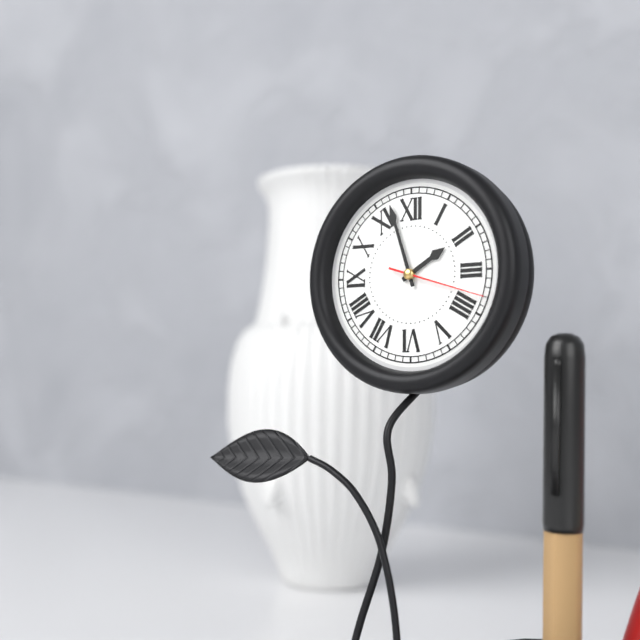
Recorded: 1.57.18
